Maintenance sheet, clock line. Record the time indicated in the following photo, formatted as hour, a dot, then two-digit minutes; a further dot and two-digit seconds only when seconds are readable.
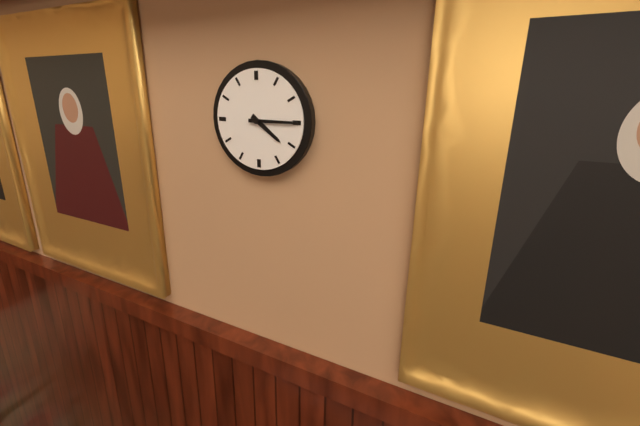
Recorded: 4.15
